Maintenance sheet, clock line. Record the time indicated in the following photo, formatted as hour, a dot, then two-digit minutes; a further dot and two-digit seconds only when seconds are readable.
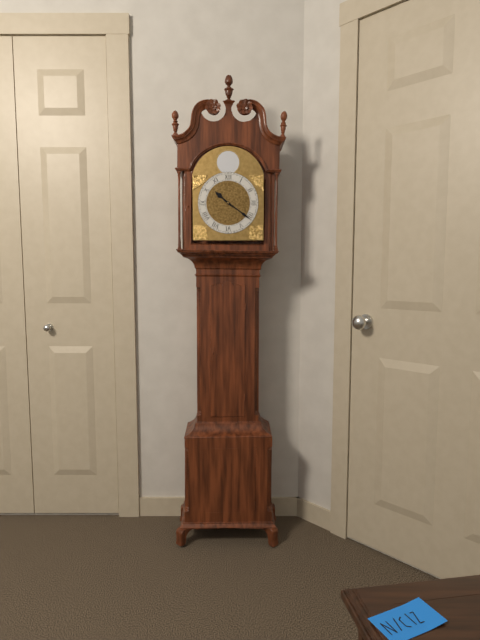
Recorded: 10.21
